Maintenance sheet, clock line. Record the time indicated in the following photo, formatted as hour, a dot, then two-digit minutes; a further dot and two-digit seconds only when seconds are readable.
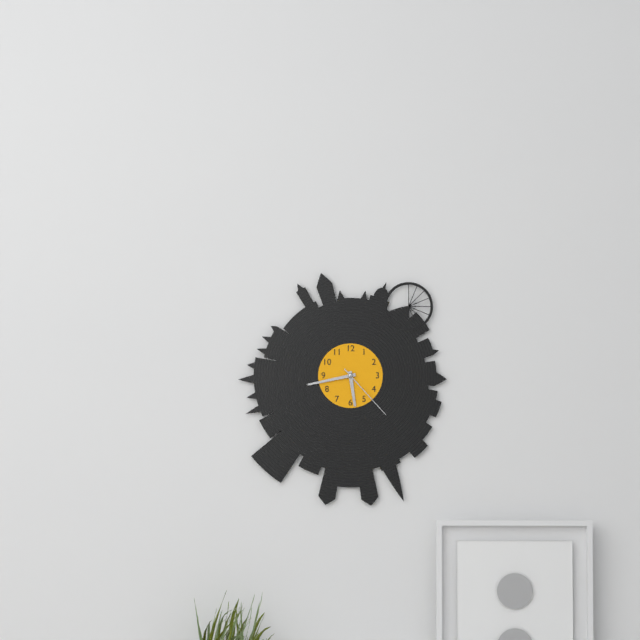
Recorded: 5.43.23
